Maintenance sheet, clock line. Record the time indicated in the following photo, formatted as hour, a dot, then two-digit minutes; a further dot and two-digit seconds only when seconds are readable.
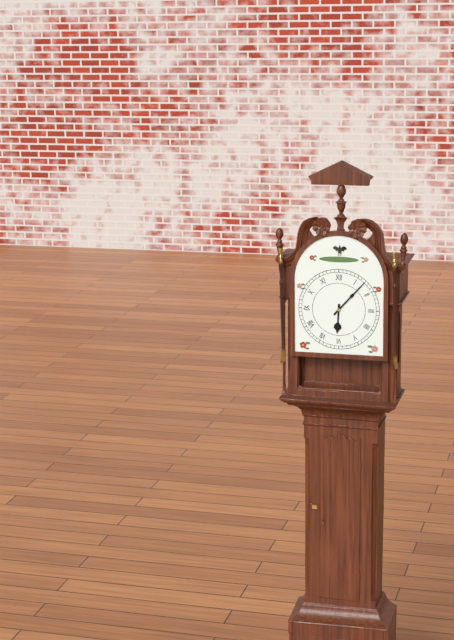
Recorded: 6.07
